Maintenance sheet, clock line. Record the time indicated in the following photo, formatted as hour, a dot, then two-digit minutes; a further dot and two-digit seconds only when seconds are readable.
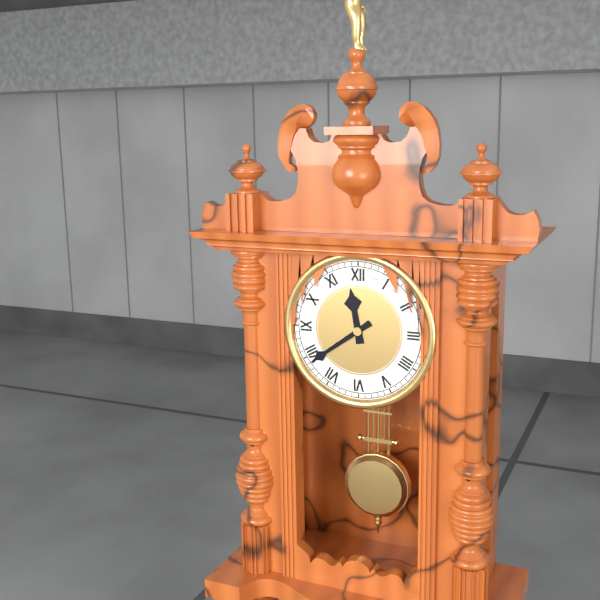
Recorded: 11.39
